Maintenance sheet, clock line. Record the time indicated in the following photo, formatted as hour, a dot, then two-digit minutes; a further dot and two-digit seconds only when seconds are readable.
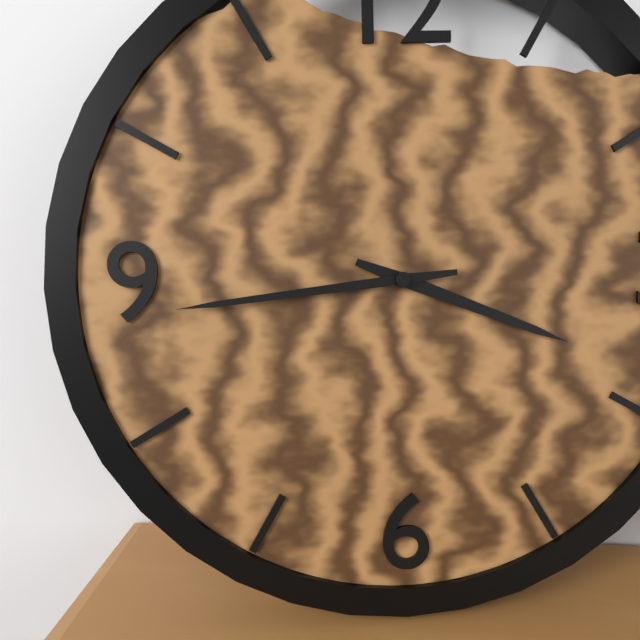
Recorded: 3.44
